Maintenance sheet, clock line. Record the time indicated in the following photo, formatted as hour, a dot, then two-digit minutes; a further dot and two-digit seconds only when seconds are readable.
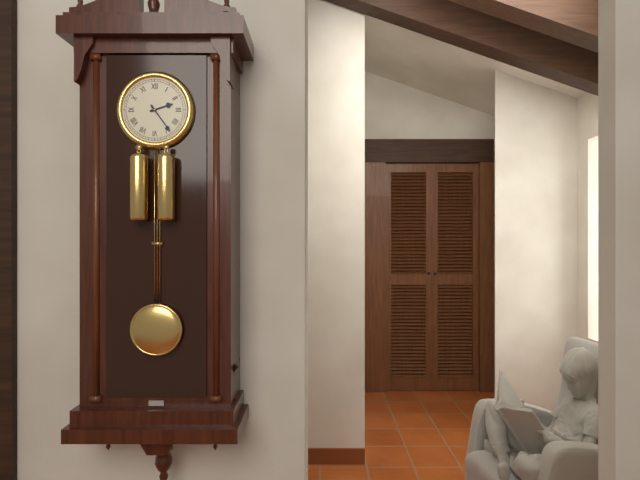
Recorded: 2.24
